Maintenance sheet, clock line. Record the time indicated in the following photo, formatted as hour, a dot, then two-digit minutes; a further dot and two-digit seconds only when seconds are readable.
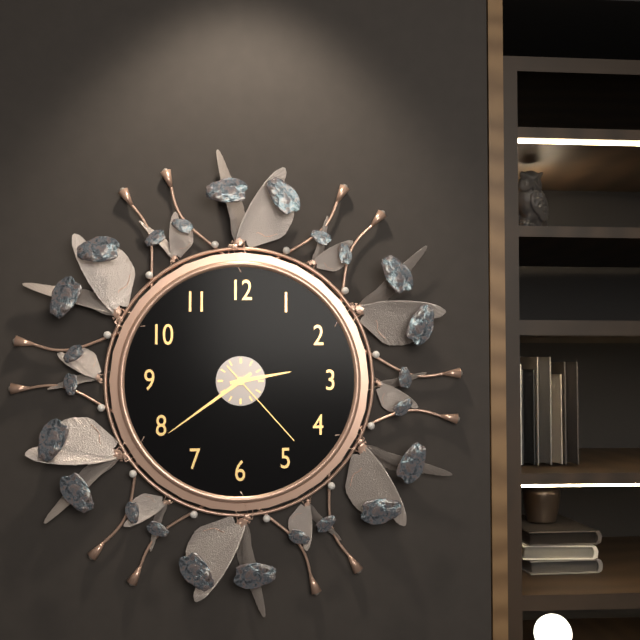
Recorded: 2.39.23
